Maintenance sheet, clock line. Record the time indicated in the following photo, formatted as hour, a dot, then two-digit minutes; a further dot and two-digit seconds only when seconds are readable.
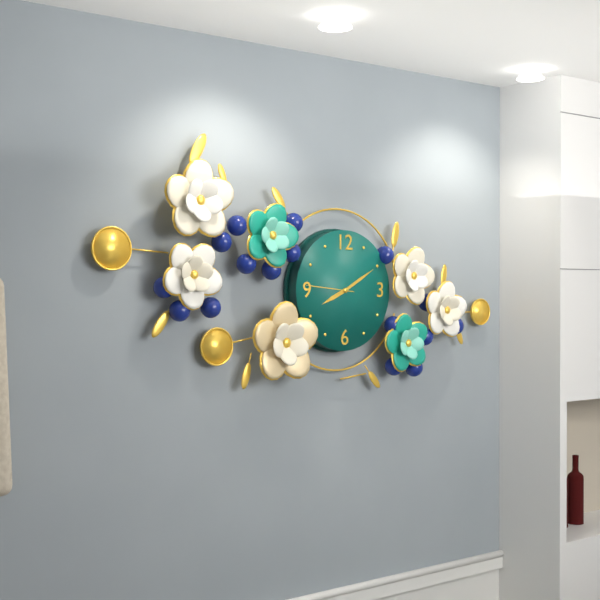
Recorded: 8.10
